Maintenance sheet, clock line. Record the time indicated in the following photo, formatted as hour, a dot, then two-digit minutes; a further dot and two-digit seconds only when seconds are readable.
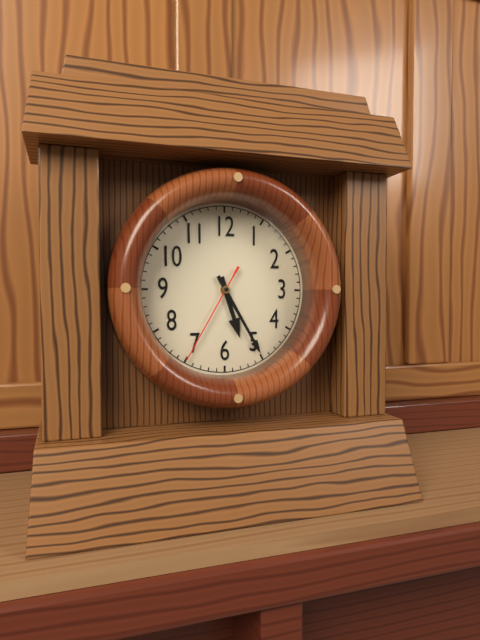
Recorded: 5.25.35
